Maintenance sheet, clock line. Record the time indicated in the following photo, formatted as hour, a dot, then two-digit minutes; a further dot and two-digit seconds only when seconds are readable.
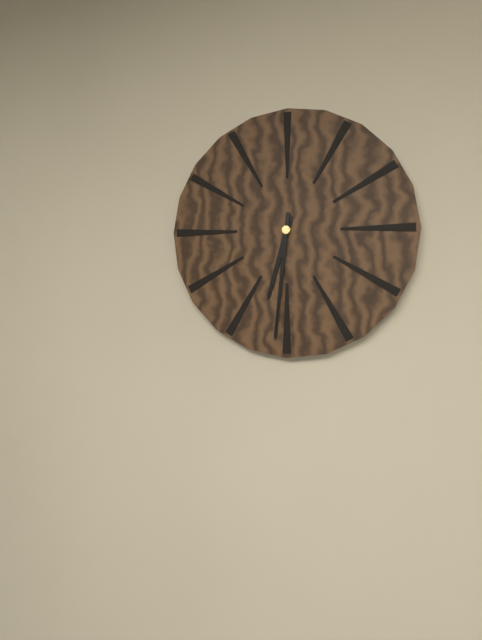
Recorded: 6.31
